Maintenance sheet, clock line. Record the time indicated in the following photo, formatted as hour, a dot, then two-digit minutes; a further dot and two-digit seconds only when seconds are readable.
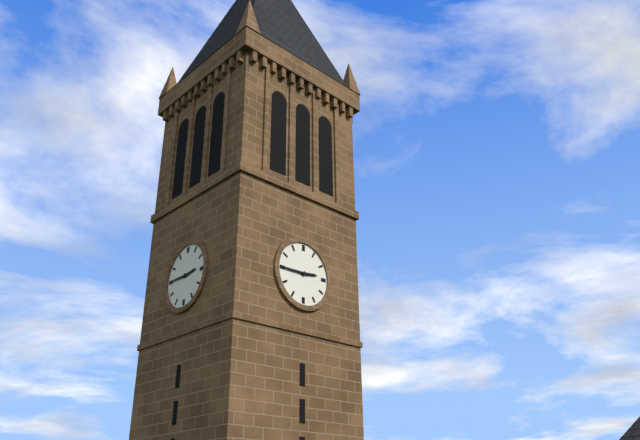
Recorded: 2.45
